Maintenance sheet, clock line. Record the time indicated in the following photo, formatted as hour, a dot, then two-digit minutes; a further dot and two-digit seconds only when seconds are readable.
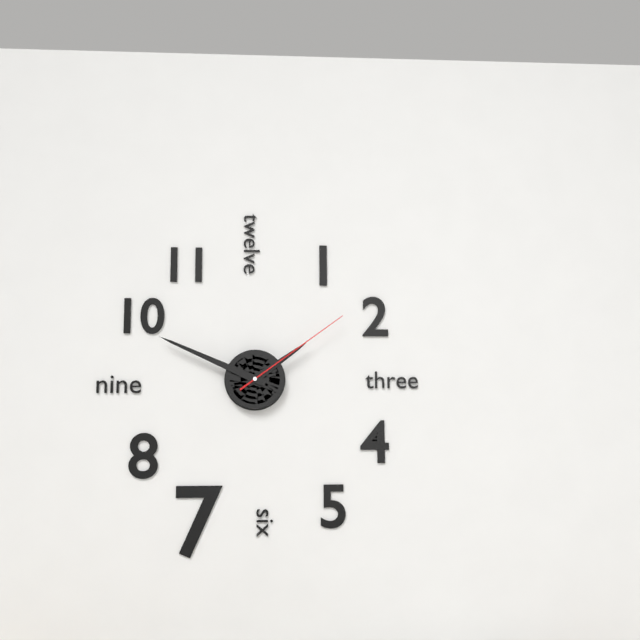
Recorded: 1.49.09
